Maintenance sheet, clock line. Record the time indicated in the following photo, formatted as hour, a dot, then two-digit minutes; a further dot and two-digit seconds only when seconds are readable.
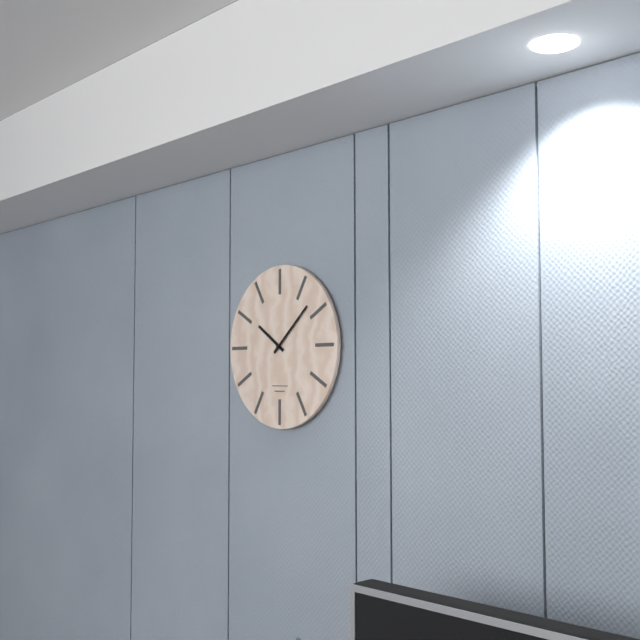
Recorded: 10.08
